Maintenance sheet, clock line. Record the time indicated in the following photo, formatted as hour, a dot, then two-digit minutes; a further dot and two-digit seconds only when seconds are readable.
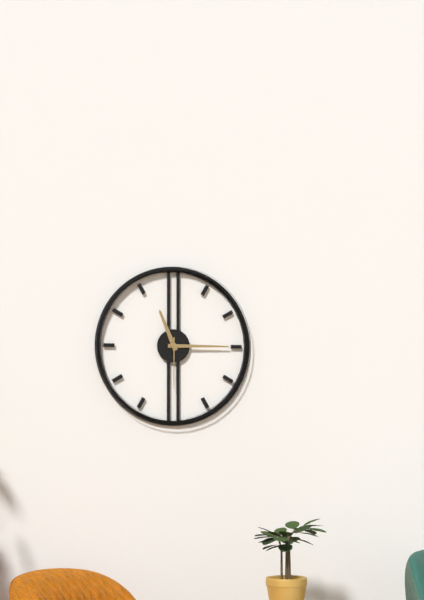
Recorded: 11.15.30
